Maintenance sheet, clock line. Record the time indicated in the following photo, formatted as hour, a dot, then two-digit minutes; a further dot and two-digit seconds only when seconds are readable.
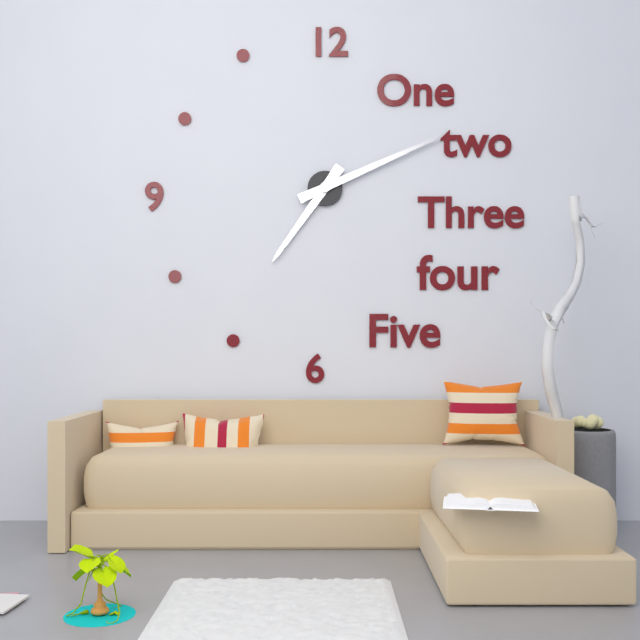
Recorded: 7.11
